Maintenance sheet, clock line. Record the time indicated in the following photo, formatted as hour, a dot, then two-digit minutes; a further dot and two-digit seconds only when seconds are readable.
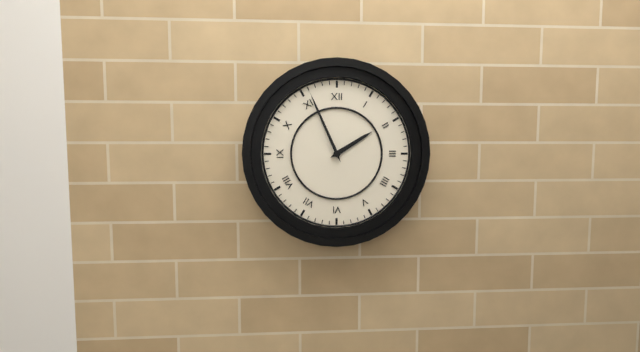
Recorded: 1.56
